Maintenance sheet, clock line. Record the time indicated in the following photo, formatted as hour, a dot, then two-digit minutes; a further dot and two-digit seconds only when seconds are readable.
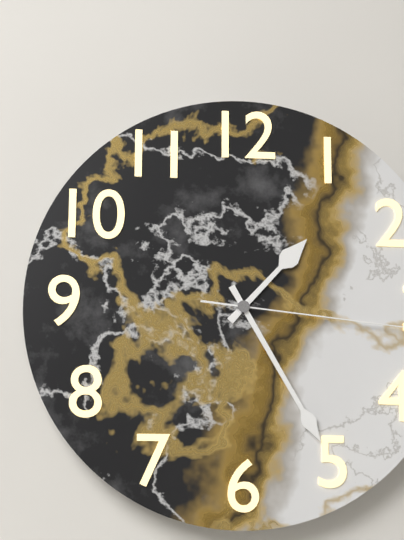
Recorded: 1.25
